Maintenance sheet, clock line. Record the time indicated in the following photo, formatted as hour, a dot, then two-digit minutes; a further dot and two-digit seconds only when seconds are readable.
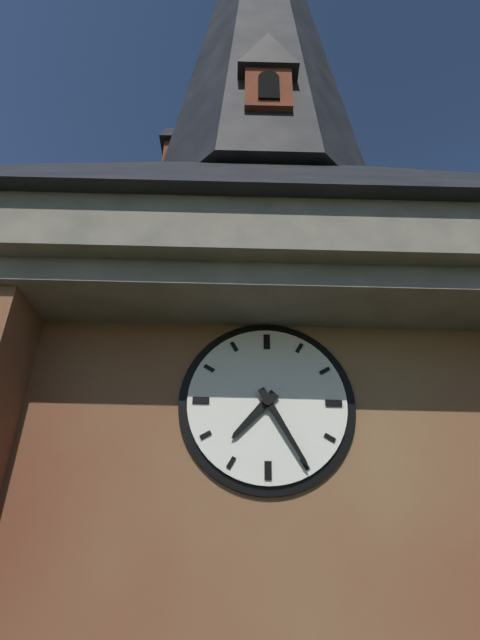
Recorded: 7.25
